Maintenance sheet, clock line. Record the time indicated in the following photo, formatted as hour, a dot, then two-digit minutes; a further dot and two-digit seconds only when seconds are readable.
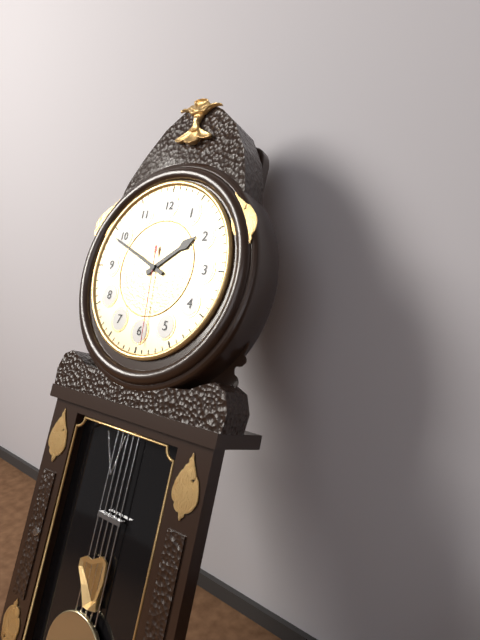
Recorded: 1.49.29
